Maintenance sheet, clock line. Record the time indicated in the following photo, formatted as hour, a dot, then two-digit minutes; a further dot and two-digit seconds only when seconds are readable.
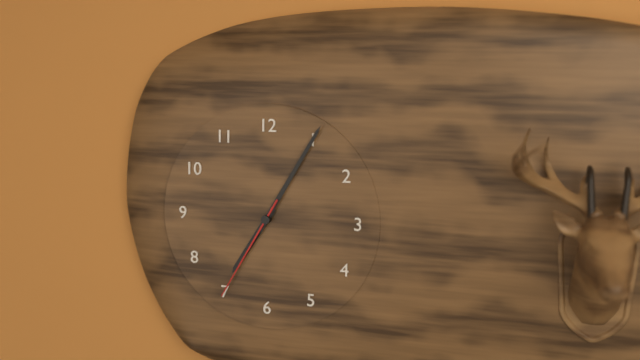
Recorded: 7.05.35
